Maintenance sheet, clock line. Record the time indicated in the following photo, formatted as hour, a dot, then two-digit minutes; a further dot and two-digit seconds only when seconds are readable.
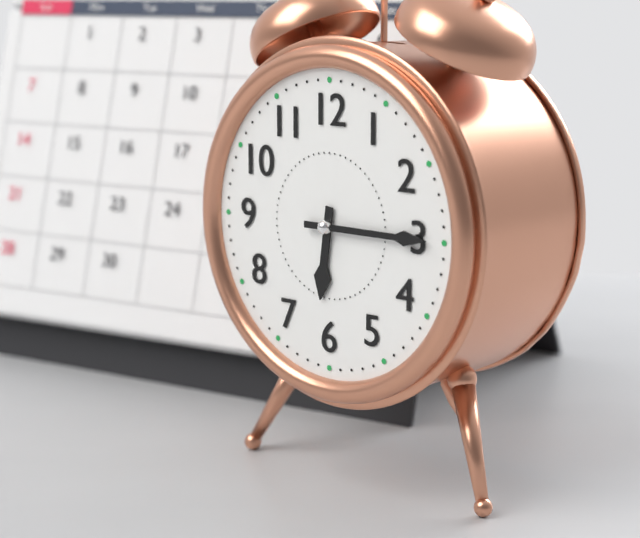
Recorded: 6.15
